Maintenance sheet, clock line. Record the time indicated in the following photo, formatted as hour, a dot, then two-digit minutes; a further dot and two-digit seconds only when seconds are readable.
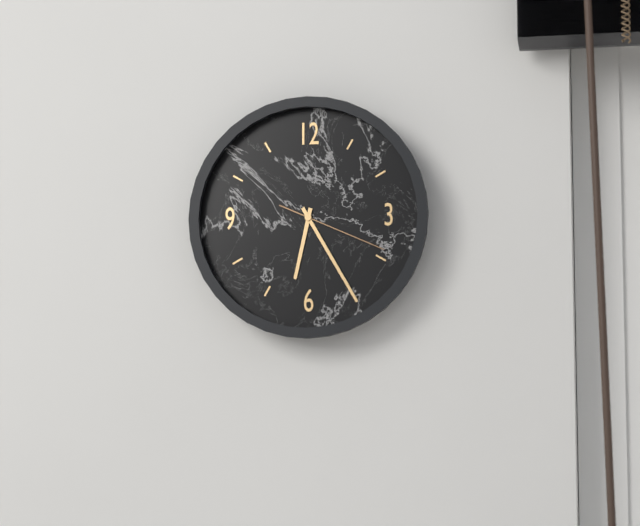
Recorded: 6.25.19
